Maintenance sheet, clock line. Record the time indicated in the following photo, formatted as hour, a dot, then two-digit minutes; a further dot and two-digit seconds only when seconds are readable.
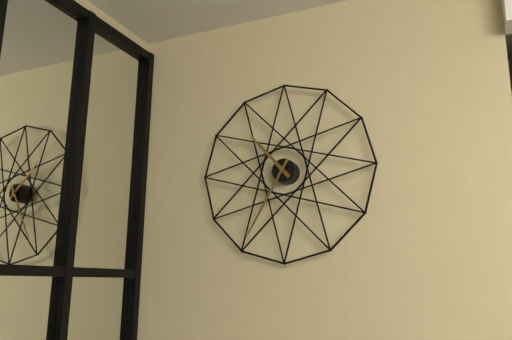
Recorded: 10.35
